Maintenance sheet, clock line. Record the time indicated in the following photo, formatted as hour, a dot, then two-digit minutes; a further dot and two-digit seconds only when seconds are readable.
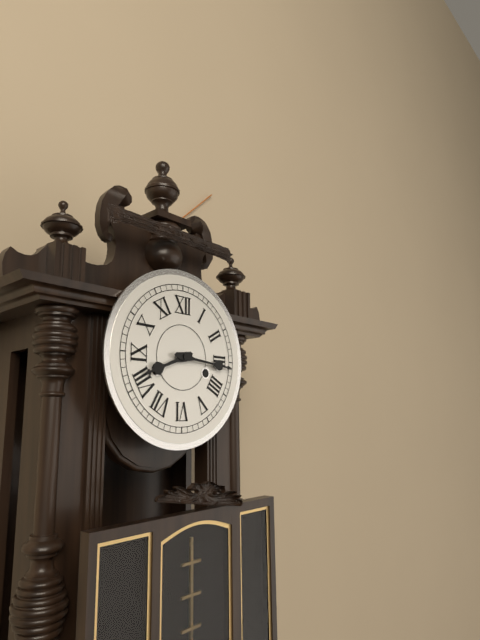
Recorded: 8.16
